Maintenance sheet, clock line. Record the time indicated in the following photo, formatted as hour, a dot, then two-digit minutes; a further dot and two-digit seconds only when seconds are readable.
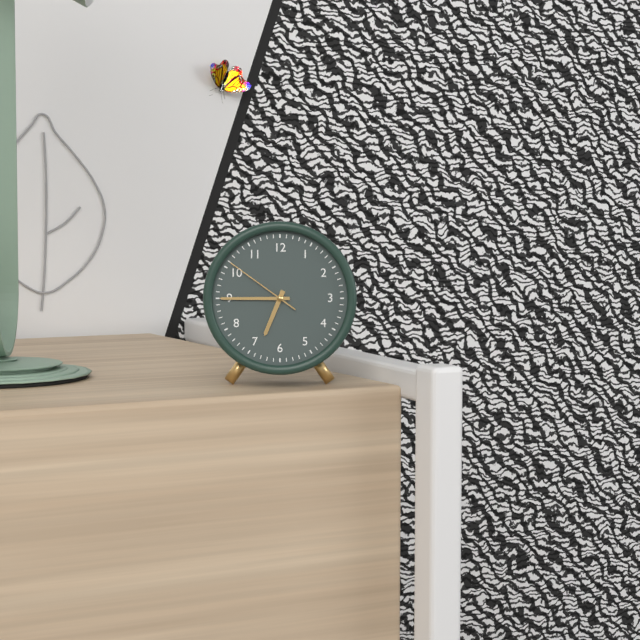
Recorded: 6.45.51
